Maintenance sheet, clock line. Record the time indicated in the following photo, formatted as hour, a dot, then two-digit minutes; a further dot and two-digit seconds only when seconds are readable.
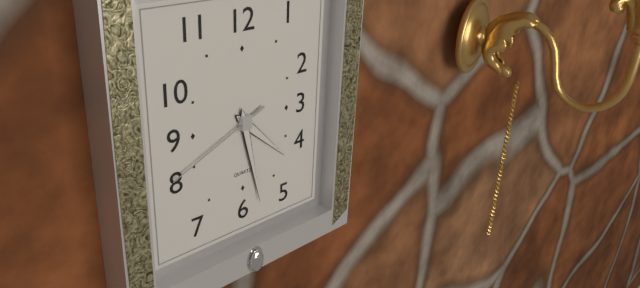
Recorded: 4.28.41
